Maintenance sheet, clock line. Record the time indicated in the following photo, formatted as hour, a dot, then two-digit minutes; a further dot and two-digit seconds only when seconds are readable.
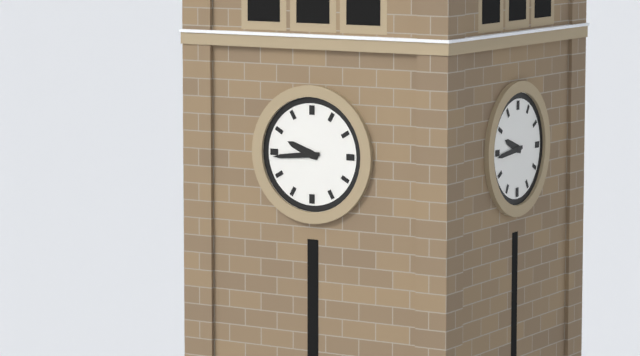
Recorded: 9.44
